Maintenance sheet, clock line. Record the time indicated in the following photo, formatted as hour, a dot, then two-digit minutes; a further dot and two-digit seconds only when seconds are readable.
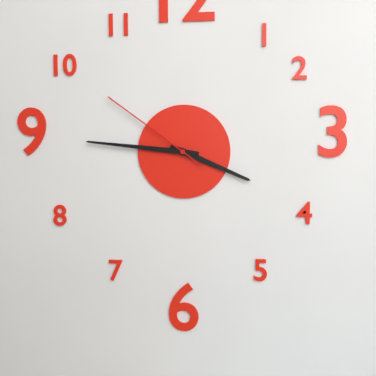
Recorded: 3.46.51
